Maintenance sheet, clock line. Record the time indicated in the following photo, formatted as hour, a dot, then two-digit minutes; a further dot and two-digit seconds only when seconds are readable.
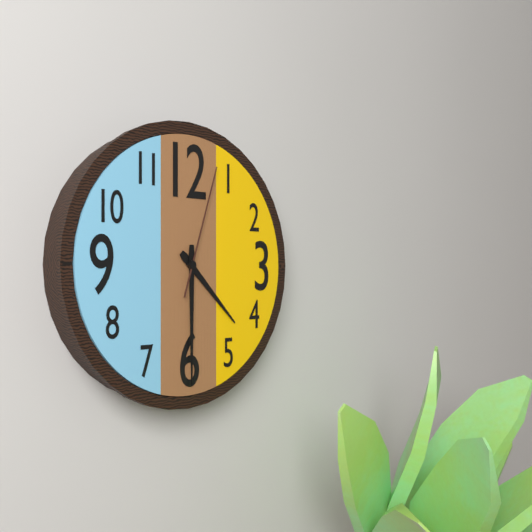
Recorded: 4.30.03
